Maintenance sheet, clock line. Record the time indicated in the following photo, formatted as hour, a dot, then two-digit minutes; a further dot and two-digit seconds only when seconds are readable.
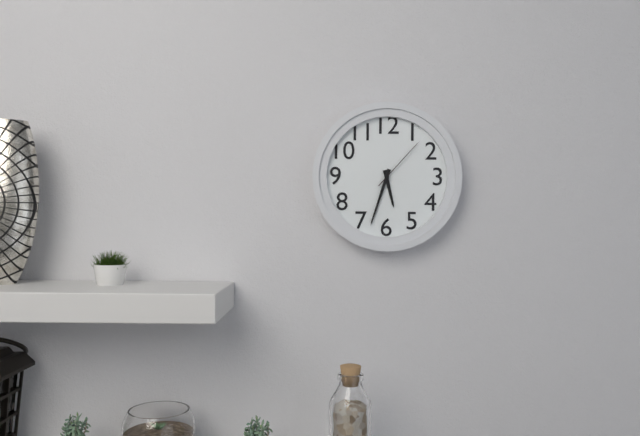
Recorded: 5.33.07
